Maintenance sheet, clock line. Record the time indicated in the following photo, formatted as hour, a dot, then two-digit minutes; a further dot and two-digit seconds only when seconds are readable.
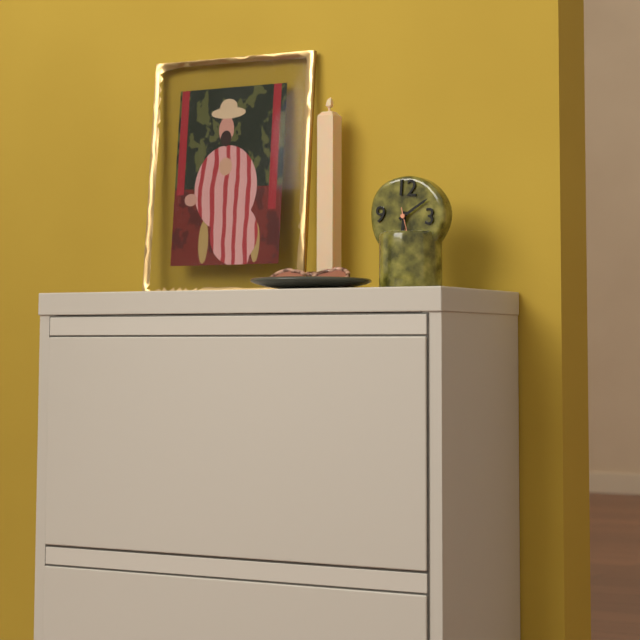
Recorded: 6.09
